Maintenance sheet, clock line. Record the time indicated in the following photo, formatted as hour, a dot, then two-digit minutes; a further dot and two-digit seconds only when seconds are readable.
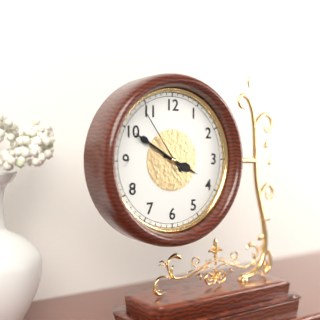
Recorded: 3.50.54
